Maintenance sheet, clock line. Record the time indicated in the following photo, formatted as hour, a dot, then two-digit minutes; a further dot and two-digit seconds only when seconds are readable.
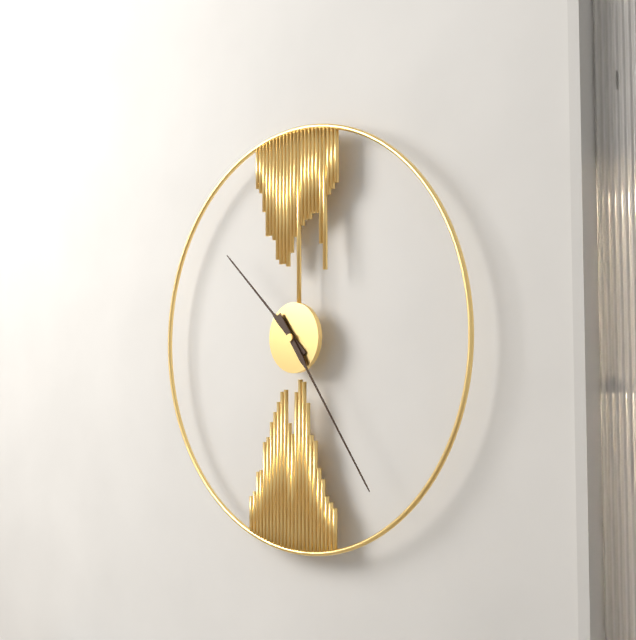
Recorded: 10.24
